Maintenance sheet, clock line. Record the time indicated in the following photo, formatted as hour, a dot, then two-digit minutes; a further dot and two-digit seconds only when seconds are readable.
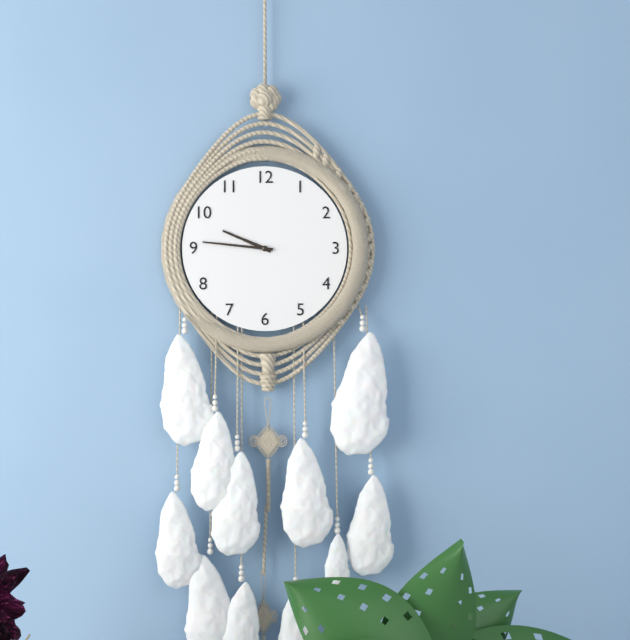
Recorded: 9.46
